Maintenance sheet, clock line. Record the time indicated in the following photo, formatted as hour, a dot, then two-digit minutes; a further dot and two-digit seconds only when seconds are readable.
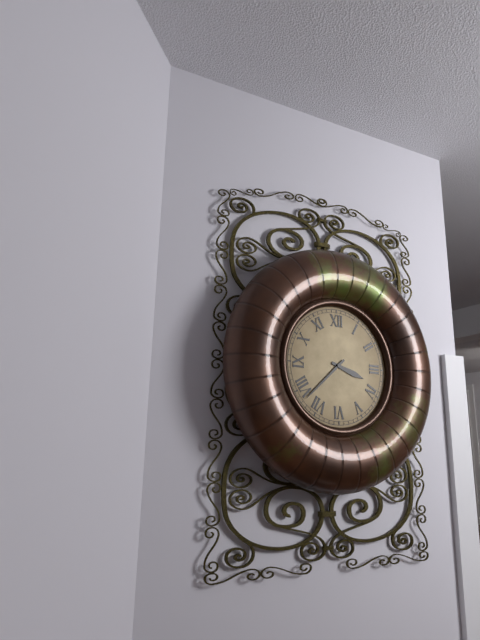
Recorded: 3.38
